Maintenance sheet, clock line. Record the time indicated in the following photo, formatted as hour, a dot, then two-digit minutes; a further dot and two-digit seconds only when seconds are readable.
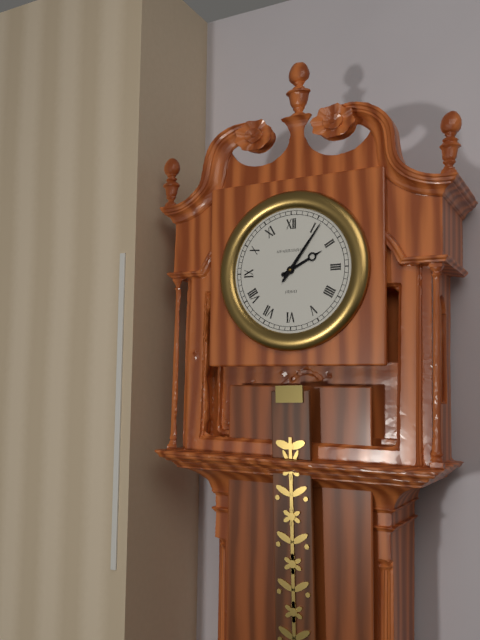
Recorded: 2.06
